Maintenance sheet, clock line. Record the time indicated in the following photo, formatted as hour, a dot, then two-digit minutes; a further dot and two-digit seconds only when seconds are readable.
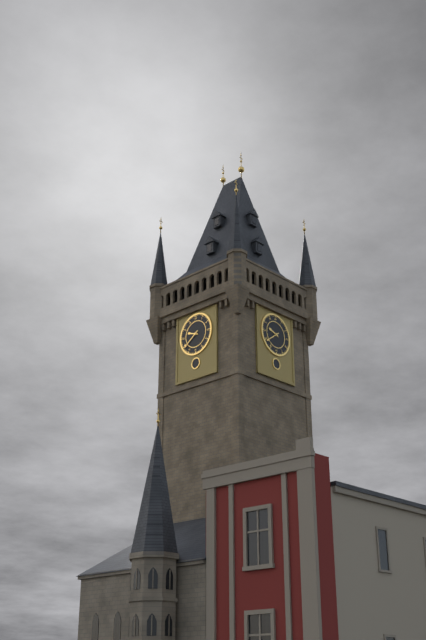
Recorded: 9.39
